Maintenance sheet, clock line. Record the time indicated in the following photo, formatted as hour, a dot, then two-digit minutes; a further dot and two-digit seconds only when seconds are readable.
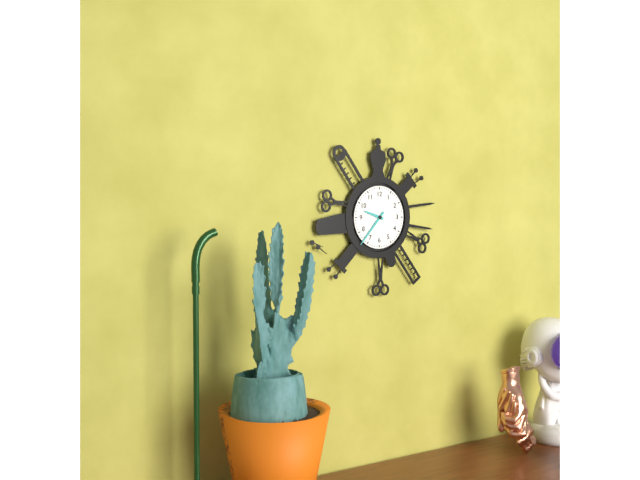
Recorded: 9.37
